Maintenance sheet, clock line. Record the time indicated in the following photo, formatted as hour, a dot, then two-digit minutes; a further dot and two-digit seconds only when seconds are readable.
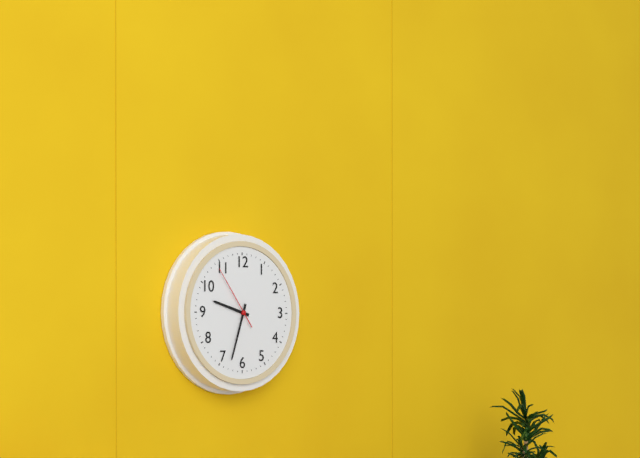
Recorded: 9.33.54
